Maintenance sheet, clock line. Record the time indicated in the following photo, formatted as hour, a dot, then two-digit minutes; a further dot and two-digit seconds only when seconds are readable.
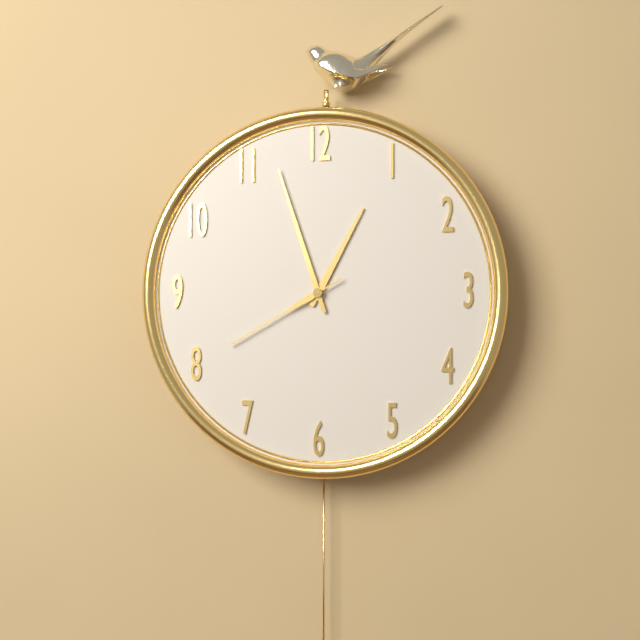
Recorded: 12.57.40
